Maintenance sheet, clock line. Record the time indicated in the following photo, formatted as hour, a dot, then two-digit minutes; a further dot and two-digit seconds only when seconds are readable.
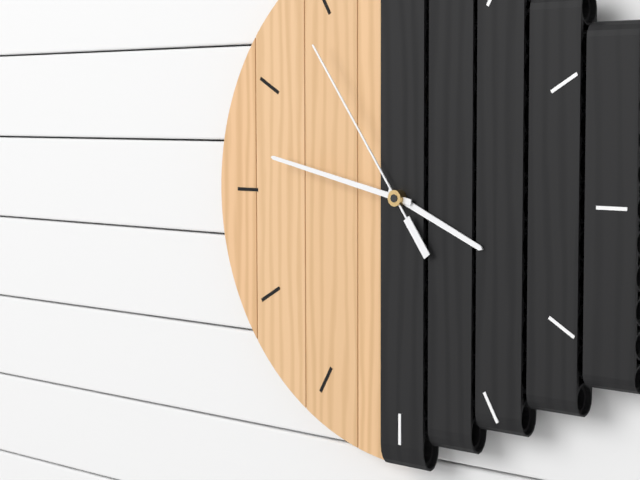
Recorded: 3.47.54
